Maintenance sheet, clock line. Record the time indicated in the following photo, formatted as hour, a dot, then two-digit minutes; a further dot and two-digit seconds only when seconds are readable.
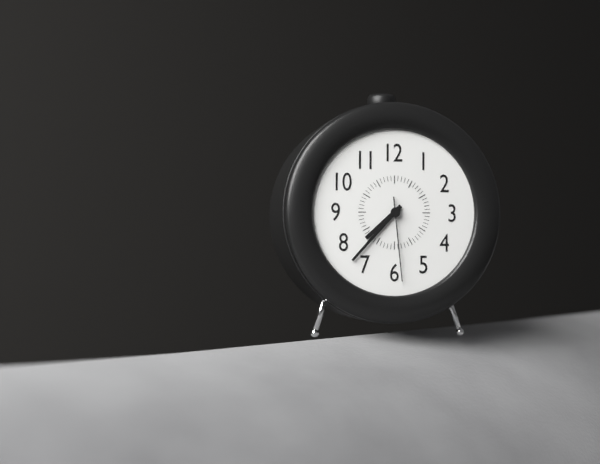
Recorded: 7.37.29
